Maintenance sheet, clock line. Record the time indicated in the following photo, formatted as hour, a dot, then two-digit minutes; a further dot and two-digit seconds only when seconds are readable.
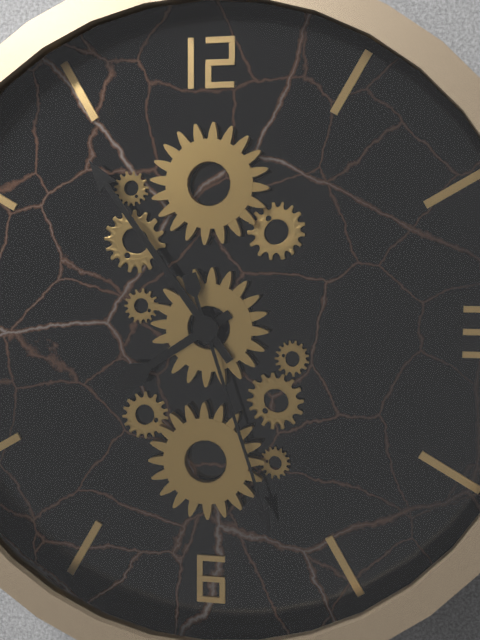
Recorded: 7.54.27
